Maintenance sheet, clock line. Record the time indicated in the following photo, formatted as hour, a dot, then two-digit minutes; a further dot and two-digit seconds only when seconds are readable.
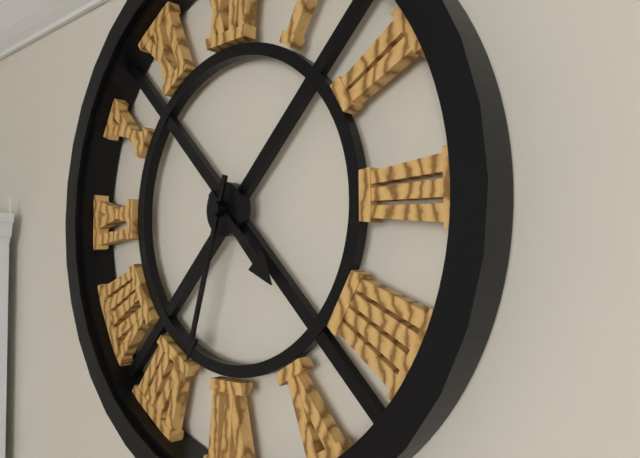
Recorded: 4.33
